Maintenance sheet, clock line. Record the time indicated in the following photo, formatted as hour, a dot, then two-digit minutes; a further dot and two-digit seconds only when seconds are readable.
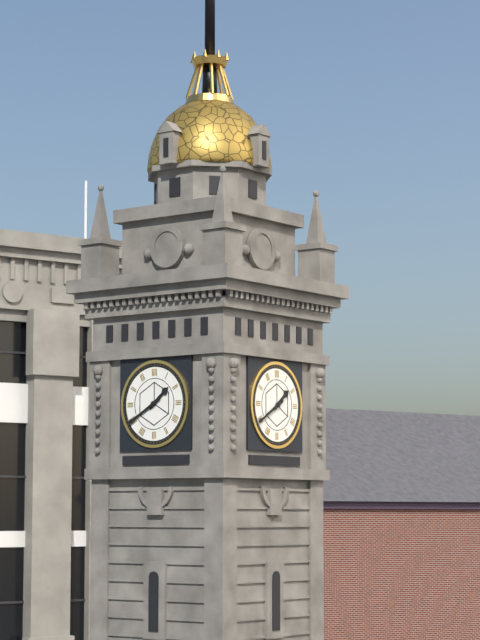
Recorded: 1.40
